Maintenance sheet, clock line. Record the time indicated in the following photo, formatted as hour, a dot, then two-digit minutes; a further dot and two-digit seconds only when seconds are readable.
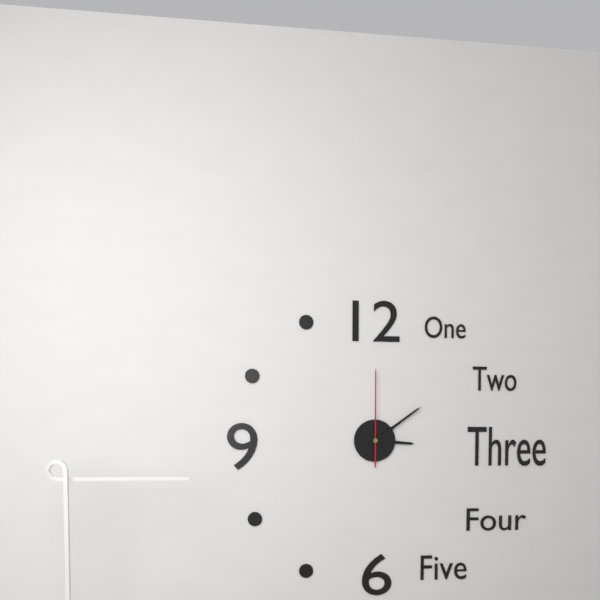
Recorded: 3.09.00
